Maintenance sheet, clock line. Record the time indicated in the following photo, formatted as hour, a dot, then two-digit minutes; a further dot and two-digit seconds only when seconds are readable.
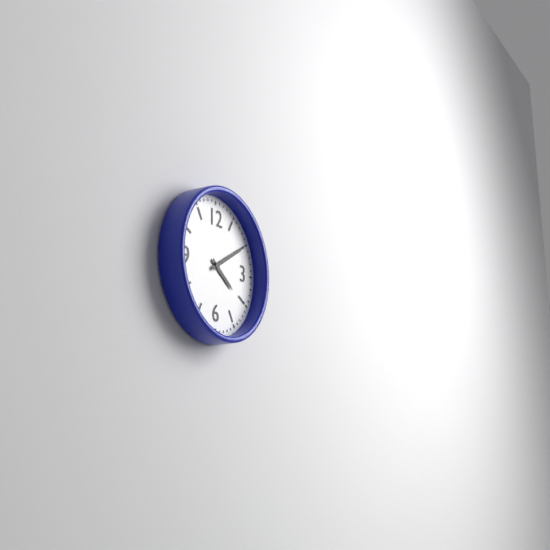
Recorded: 4.10
